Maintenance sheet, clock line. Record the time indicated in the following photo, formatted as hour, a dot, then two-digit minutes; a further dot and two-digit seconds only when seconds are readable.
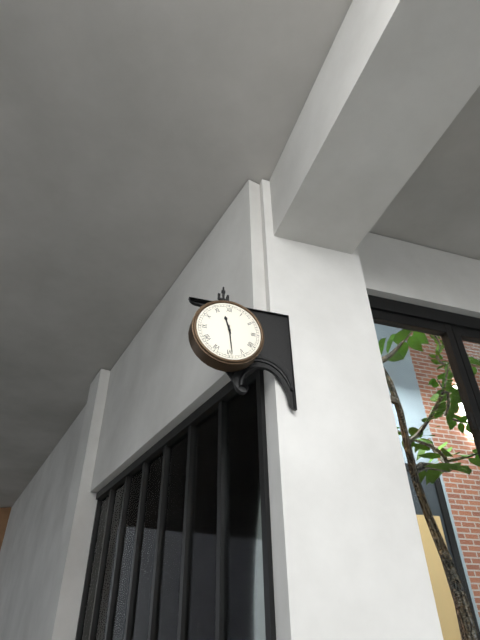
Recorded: 11.29
